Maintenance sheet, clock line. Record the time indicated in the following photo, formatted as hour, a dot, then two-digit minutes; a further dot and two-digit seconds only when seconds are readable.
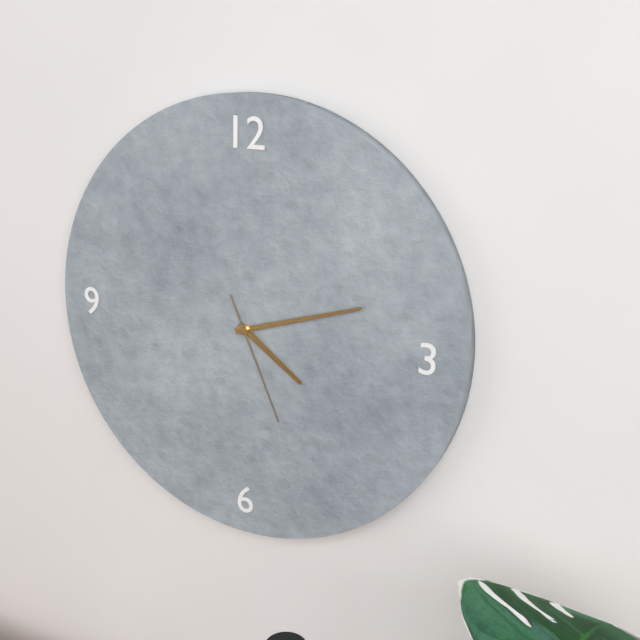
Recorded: 4.12.26
